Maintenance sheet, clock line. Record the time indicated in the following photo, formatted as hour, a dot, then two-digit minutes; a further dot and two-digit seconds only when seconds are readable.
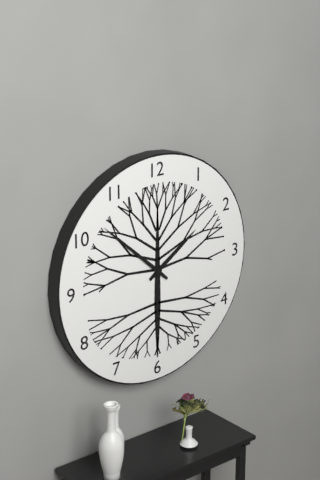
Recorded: 1.52
